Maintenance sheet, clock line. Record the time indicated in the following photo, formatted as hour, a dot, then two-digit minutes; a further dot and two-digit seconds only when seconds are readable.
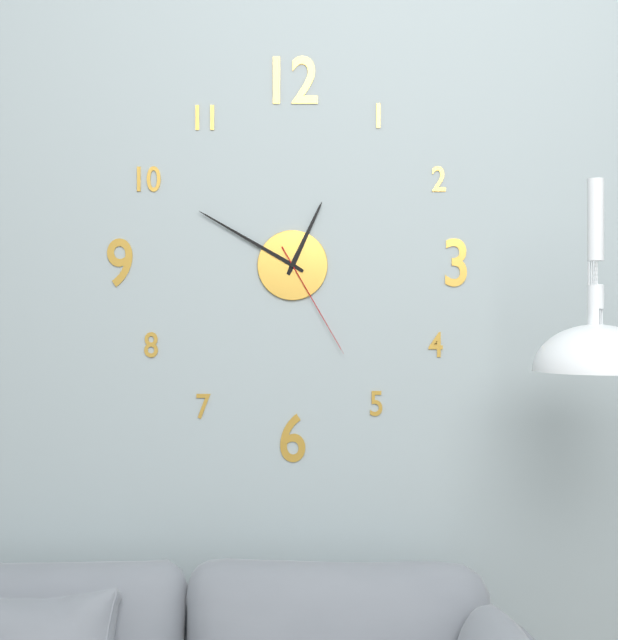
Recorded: 12.50.25
